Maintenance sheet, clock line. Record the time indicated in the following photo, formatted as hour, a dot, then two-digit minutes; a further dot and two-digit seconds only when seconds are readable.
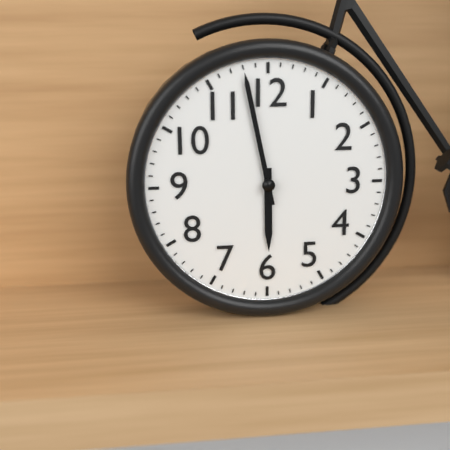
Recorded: 5.58
